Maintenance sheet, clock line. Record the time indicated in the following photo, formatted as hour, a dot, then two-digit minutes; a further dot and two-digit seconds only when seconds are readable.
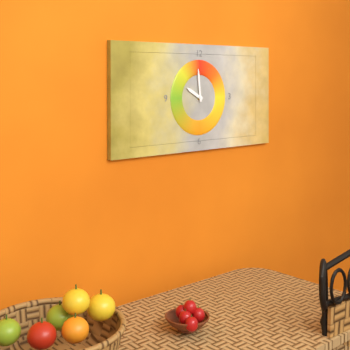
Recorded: 9.59
